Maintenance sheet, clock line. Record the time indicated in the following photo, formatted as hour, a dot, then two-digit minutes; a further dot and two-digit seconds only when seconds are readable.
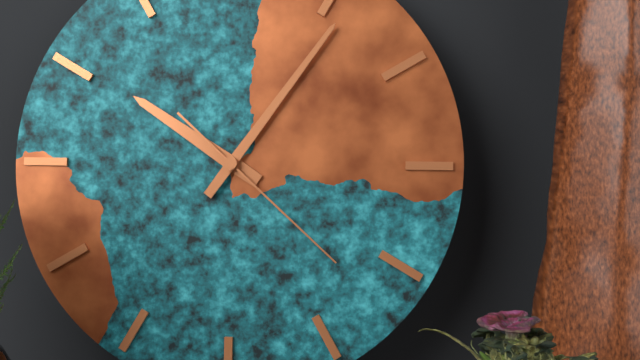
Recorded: 10.06.22
